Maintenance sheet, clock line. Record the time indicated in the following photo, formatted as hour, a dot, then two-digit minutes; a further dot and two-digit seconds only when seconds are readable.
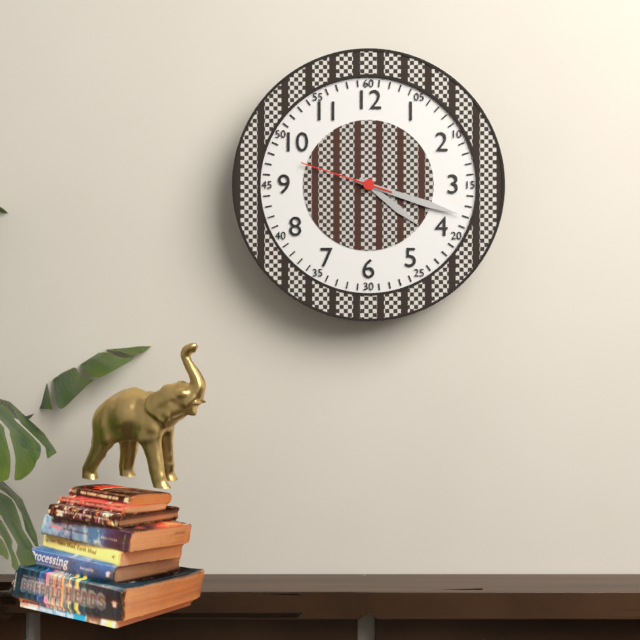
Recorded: 4.18.48
